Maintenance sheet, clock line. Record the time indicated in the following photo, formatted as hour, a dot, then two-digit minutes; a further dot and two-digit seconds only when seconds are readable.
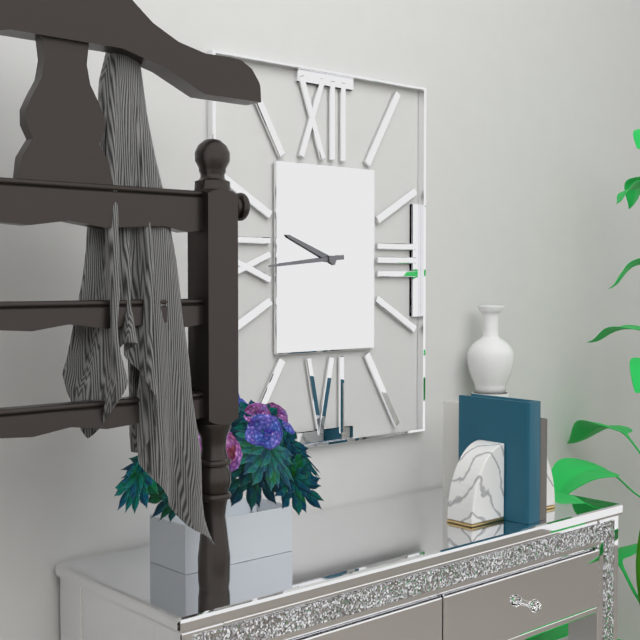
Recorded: 9.44
